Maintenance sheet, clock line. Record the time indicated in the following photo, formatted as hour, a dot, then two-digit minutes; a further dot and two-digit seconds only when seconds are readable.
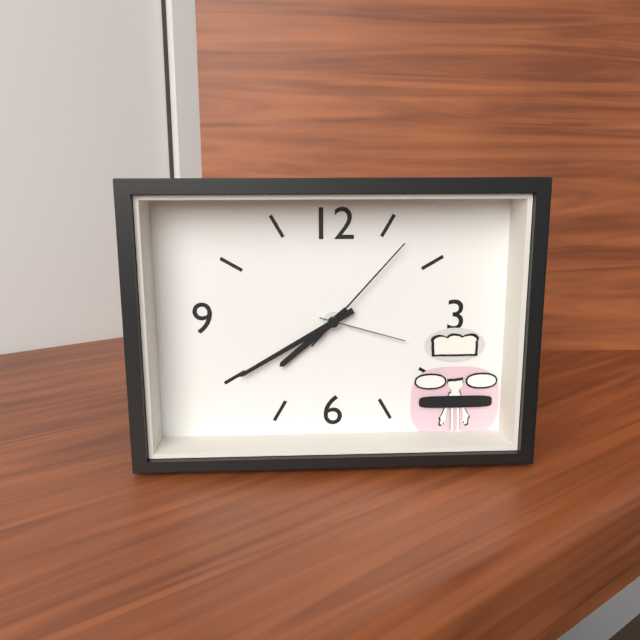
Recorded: 7.40.07
